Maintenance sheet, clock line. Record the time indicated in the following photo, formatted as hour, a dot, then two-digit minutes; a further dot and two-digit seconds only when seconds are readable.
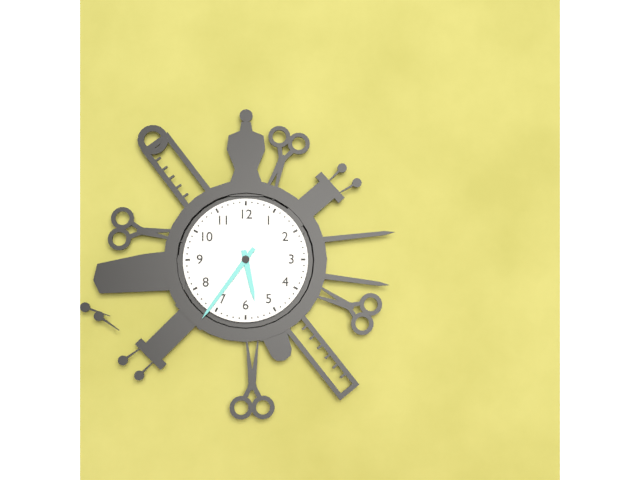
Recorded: 5.36
